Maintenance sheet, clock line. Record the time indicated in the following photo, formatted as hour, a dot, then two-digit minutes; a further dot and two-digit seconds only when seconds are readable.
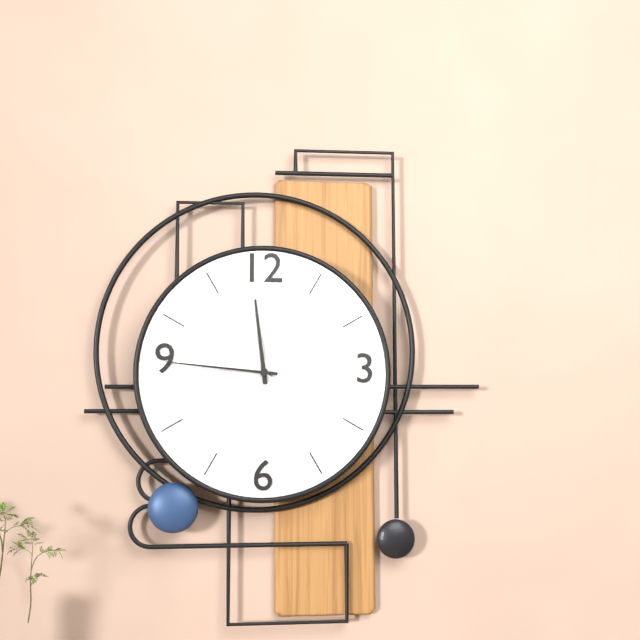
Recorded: 11.46.21
